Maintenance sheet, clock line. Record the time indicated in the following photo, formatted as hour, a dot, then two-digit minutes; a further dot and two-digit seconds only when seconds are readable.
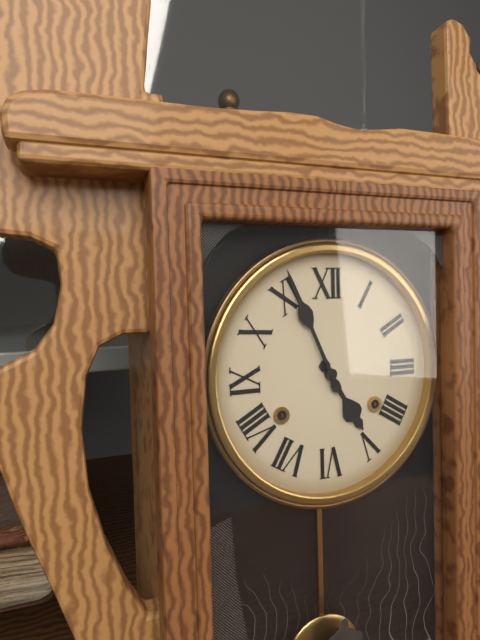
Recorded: 4.56
